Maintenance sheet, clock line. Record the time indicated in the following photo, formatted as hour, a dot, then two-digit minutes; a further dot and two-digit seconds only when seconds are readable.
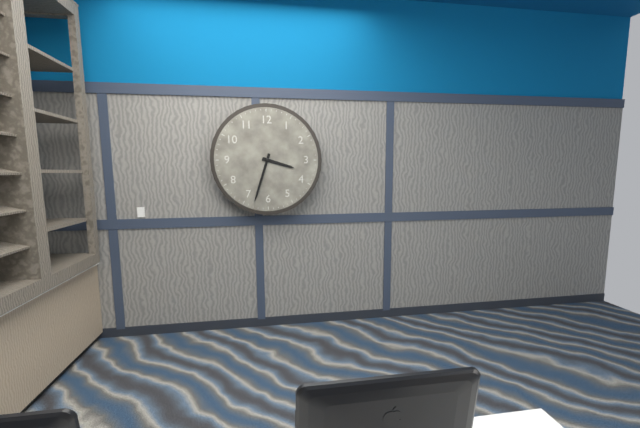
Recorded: 3.33
